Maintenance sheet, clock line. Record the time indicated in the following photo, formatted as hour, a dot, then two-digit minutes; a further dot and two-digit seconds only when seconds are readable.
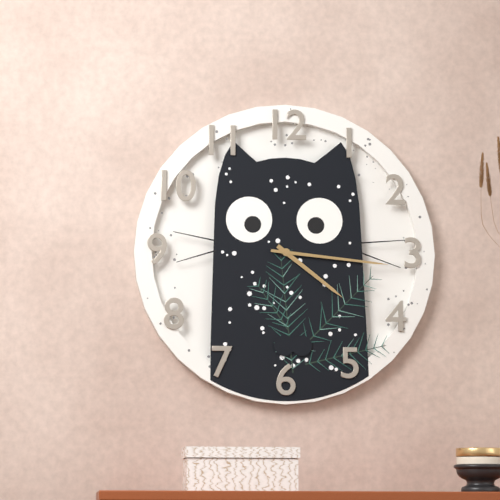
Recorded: 4.16
